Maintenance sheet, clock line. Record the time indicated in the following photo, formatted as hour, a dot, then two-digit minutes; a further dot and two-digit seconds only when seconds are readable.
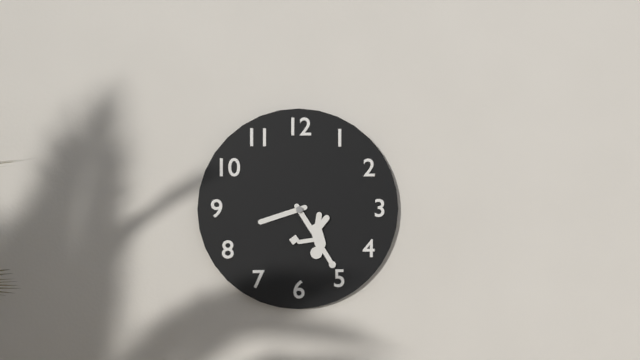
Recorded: 8.24
